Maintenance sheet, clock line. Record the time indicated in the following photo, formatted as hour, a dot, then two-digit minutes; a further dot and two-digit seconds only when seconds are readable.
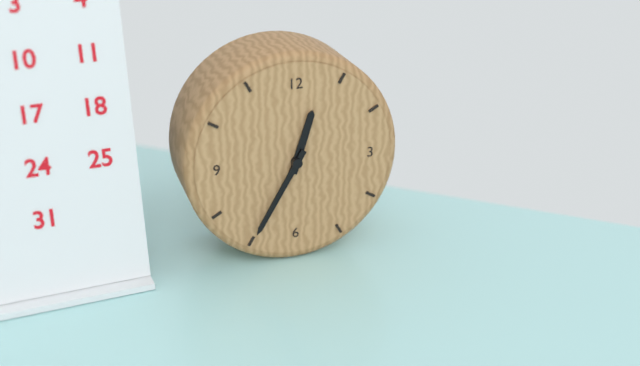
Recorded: 12.35
